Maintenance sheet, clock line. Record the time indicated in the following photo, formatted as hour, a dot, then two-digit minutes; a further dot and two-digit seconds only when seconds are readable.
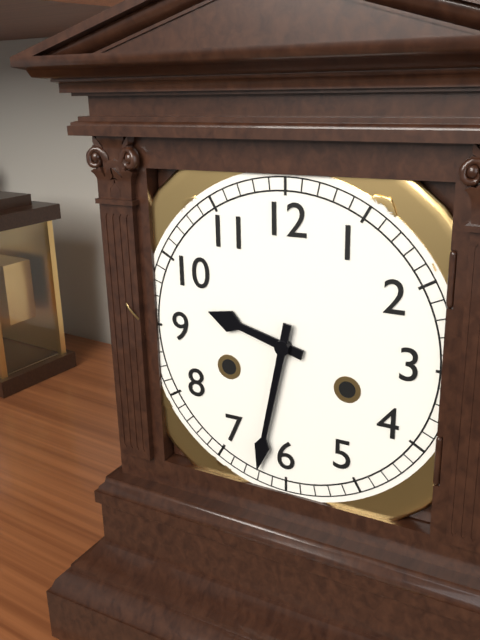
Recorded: 9.32
